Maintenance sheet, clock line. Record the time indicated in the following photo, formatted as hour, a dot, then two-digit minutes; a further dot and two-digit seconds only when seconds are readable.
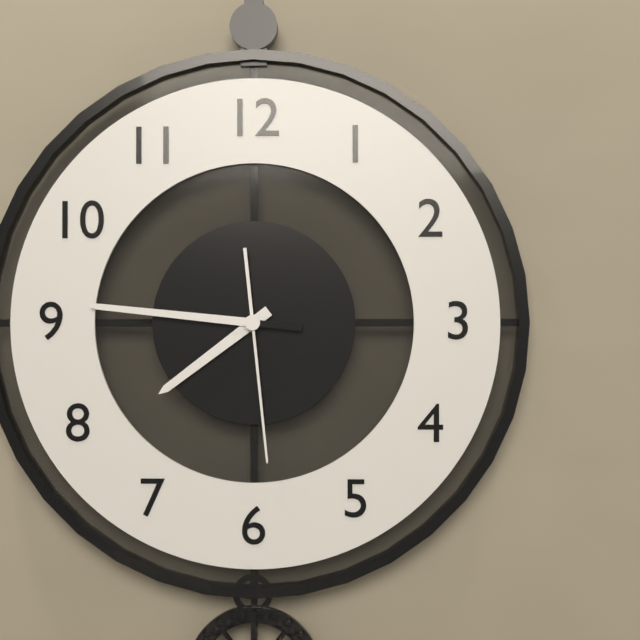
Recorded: 7.46.29
